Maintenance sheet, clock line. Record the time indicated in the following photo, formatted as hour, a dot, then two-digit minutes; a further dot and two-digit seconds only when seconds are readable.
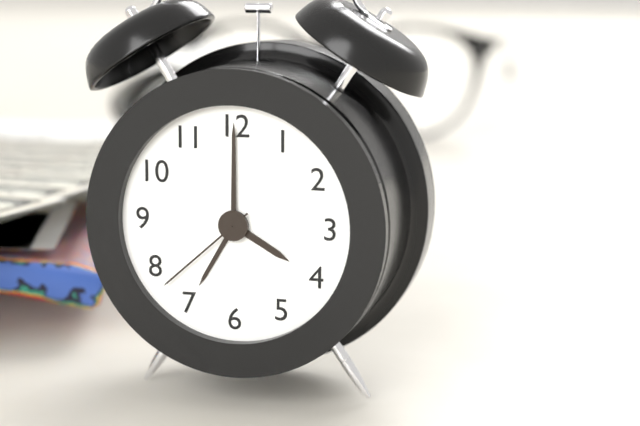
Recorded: 4.00.38
